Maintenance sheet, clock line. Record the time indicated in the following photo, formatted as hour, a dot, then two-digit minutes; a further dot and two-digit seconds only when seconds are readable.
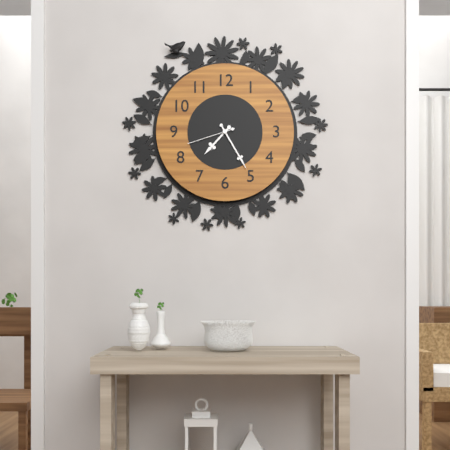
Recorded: 7.25
